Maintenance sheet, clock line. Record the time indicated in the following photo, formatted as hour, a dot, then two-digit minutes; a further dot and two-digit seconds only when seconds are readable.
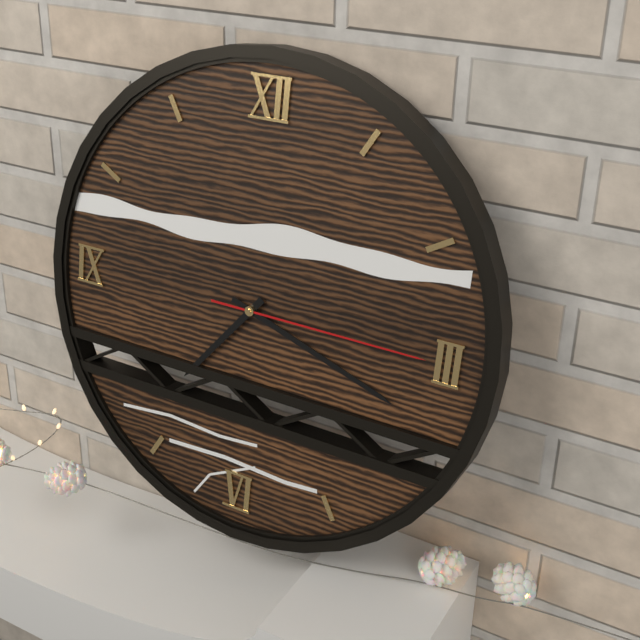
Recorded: 7.18.15
